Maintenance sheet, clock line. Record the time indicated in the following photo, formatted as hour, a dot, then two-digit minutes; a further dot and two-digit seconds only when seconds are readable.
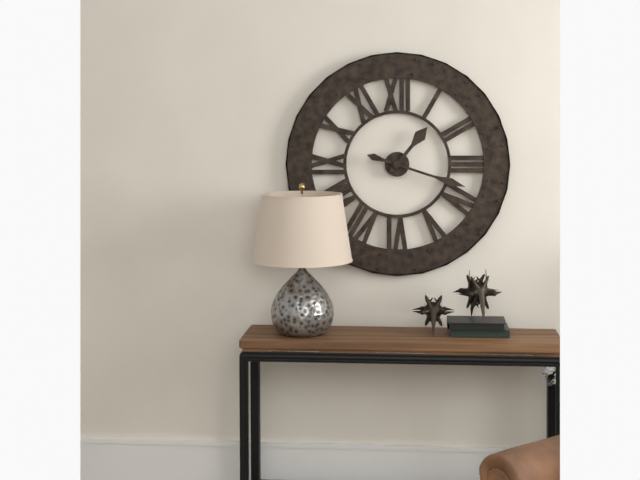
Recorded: 1.18
